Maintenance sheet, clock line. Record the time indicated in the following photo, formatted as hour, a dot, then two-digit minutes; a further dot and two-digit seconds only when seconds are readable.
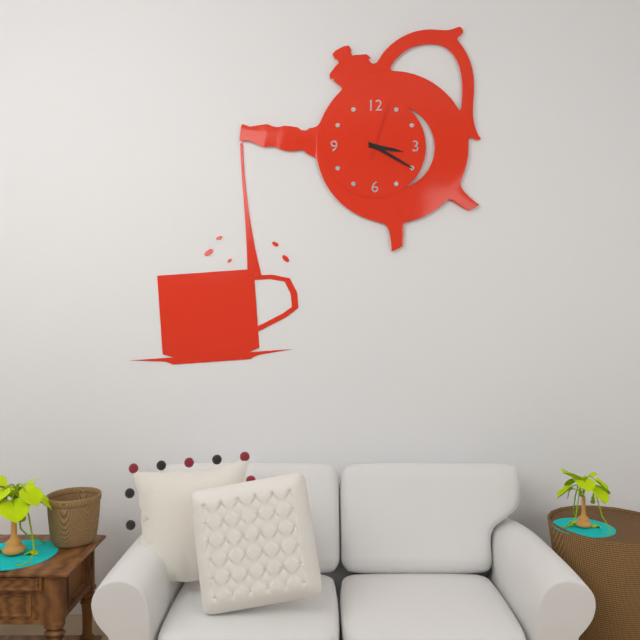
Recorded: 3.20.03
